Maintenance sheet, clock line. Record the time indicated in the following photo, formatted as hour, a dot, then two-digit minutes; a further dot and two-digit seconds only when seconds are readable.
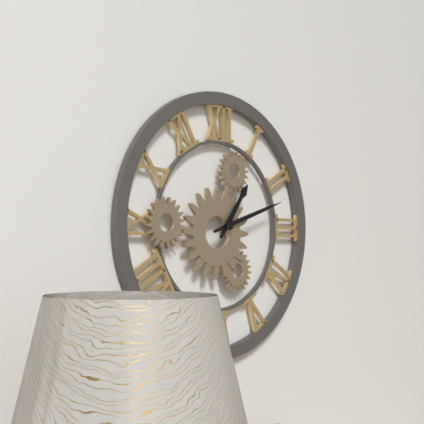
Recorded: 1.12
